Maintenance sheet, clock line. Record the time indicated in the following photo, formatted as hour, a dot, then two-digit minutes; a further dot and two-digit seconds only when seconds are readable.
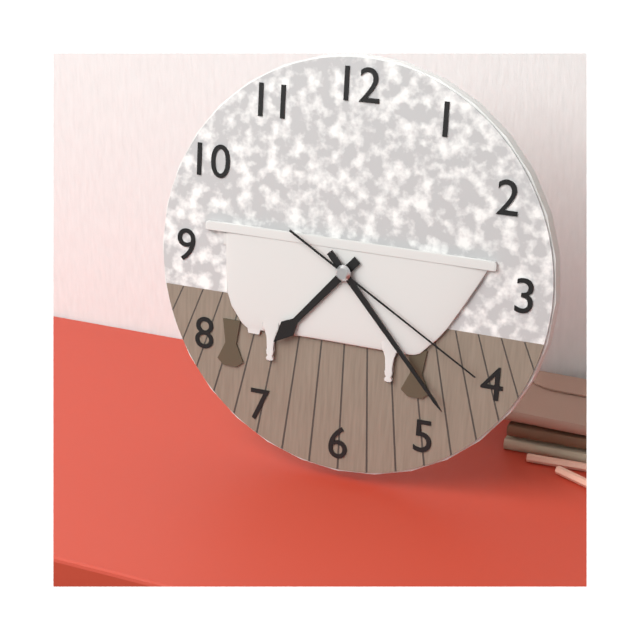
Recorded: 7.23.20
